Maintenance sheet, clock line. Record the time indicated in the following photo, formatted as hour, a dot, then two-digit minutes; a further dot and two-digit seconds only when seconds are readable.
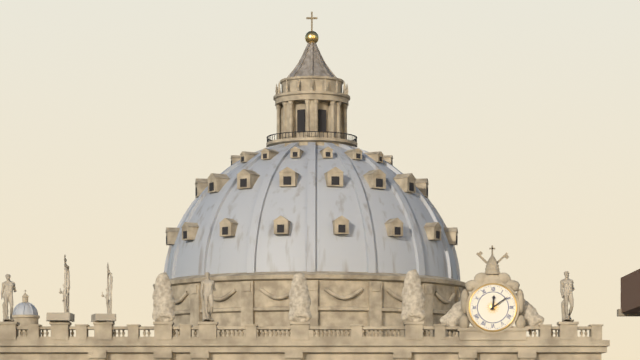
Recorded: 12.09
